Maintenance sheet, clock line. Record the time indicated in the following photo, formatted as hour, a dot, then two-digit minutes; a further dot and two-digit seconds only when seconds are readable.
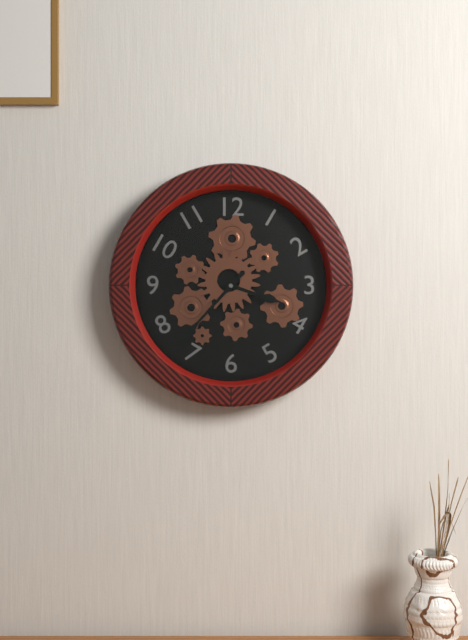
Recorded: 3.37
